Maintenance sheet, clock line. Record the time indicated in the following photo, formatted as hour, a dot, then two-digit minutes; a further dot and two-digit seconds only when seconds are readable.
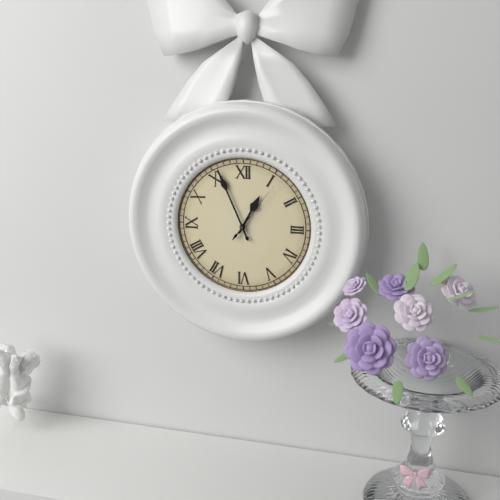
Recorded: 12.56.06
